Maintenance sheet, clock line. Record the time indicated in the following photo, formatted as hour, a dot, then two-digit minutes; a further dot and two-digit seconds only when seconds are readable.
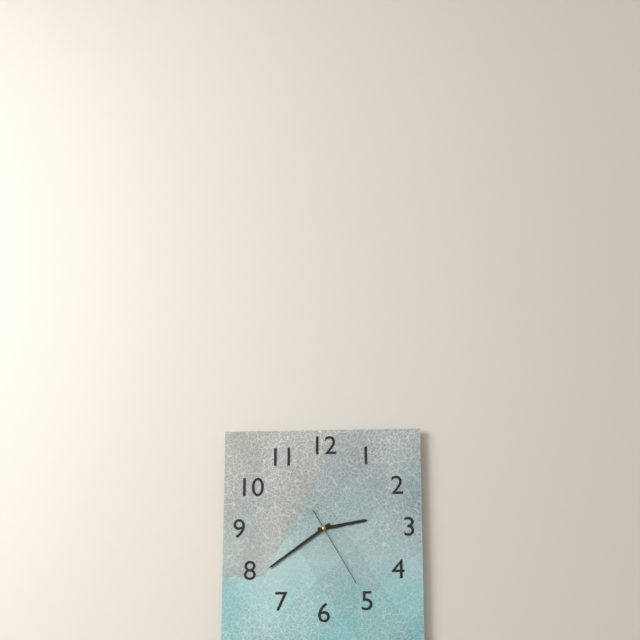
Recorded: 2.39.25
